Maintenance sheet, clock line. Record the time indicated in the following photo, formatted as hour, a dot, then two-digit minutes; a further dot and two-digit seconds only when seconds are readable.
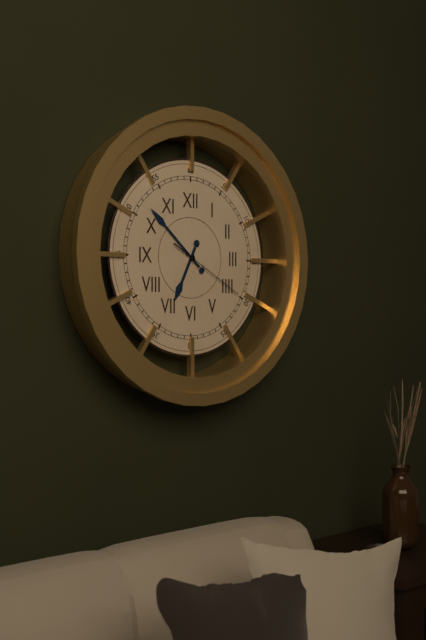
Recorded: 6.52.20
